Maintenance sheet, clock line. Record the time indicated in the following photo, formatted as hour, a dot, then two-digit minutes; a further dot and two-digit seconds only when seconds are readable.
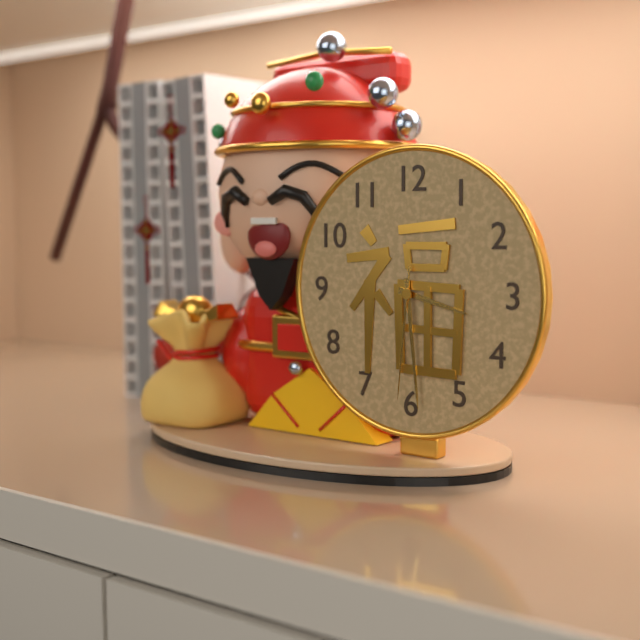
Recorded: 3.29.31
